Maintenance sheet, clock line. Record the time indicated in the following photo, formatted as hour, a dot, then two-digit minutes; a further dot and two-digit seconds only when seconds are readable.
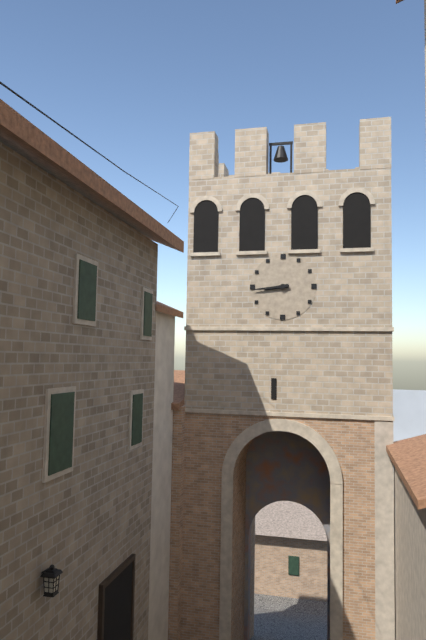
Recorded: 8.44
